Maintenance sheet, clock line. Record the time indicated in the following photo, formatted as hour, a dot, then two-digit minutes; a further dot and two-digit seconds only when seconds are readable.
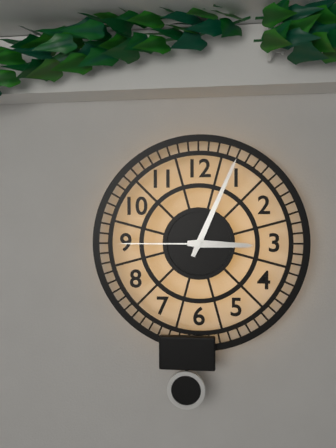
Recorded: 3.04.45
